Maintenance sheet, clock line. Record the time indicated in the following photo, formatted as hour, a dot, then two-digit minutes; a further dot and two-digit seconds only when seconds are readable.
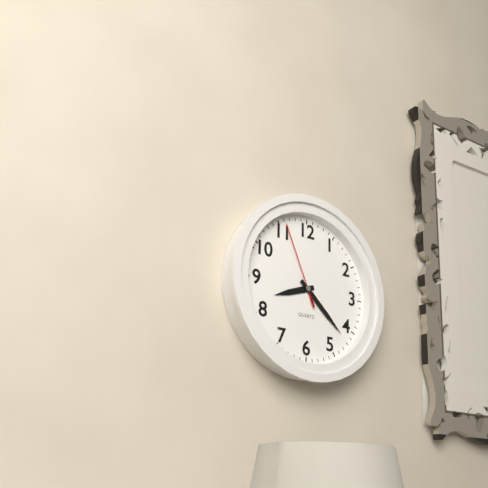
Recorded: 8.22.56
